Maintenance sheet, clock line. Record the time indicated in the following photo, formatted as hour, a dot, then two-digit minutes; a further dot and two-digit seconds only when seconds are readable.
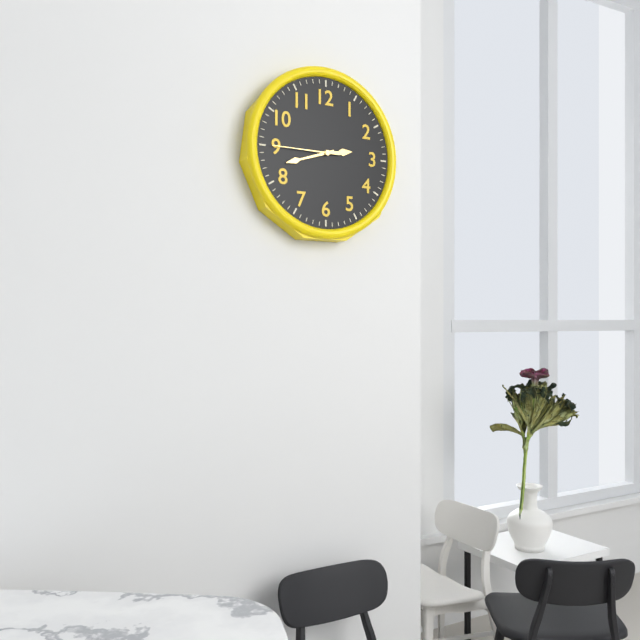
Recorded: 2.42.45
